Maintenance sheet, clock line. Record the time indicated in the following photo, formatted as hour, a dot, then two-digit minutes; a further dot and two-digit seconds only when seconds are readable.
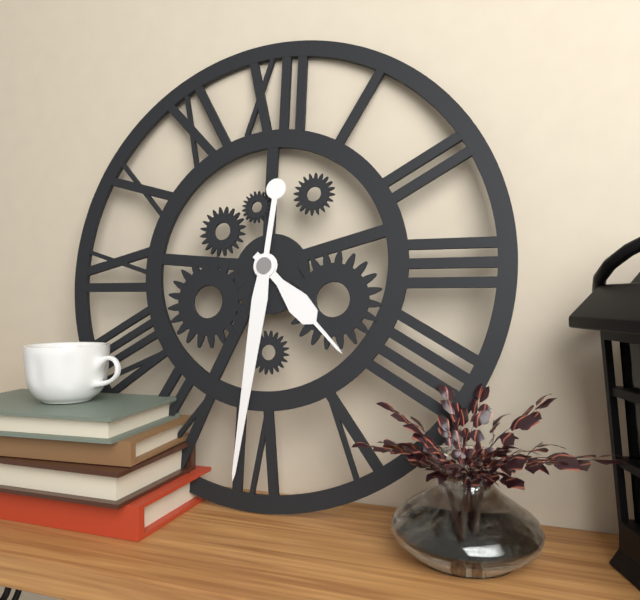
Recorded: 4.31
